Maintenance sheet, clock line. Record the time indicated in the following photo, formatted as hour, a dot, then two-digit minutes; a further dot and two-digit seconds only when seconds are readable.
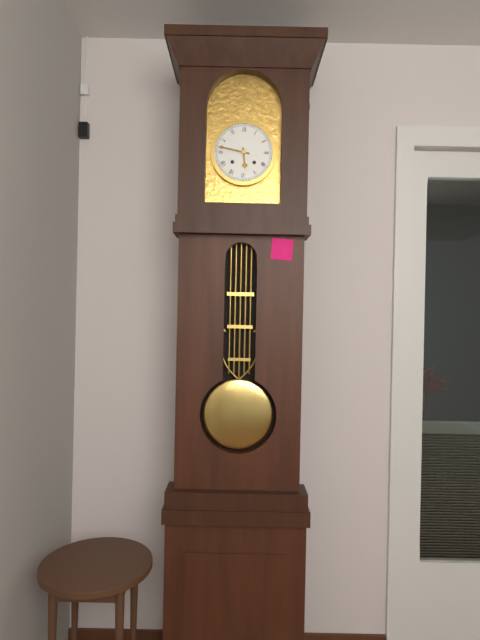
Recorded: 5.47
